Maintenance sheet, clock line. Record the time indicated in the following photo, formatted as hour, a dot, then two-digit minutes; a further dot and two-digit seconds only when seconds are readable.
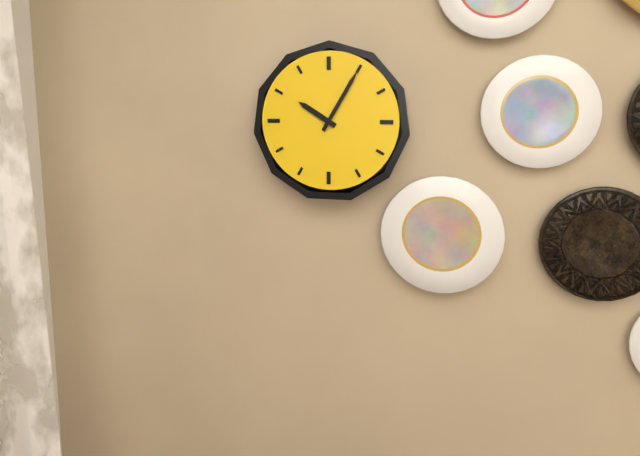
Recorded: 10.05
